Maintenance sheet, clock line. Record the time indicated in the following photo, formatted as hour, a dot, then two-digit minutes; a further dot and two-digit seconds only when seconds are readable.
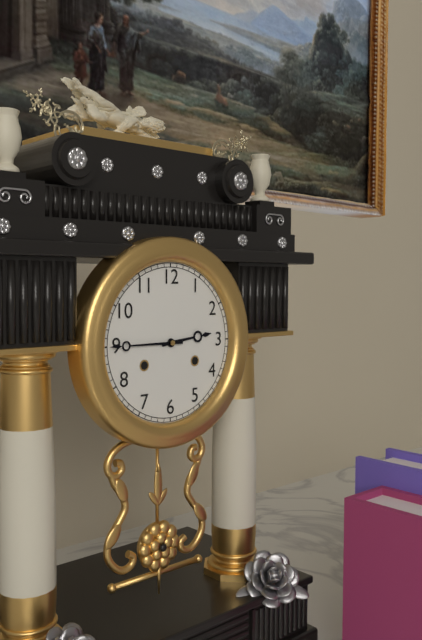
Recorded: 2.45
